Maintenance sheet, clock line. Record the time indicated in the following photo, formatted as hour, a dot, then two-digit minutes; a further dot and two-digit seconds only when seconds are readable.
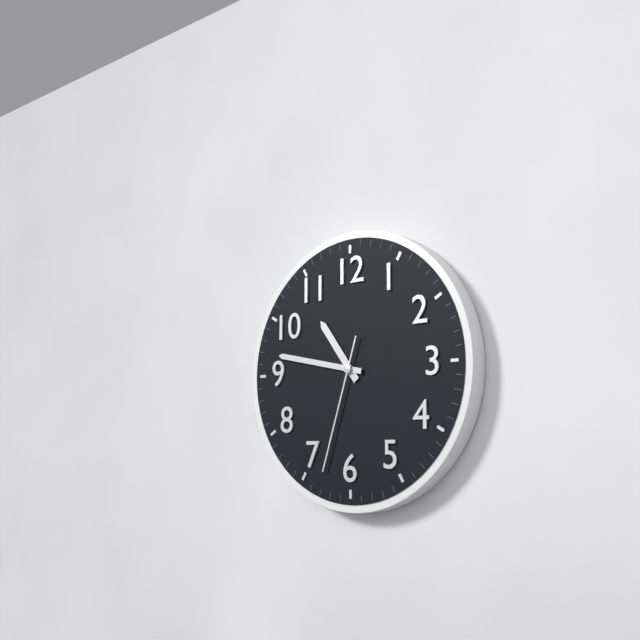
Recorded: 10.47.33
